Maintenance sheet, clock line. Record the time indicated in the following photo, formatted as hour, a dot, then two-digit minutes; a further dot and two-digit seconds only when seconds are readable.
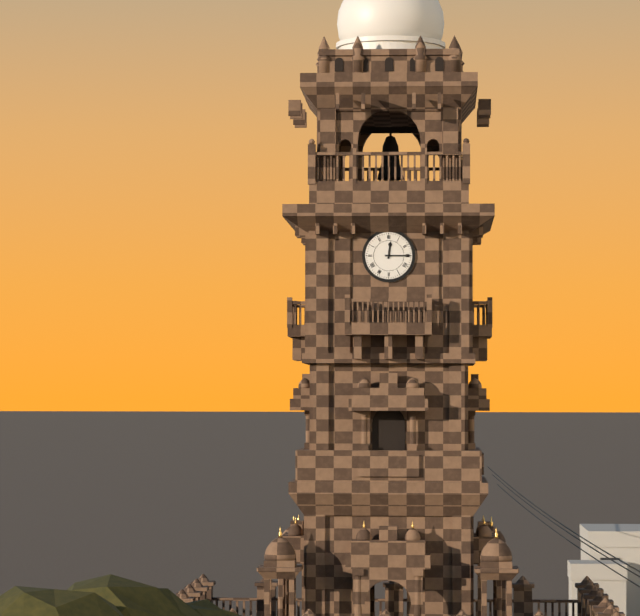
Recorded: 12.15
